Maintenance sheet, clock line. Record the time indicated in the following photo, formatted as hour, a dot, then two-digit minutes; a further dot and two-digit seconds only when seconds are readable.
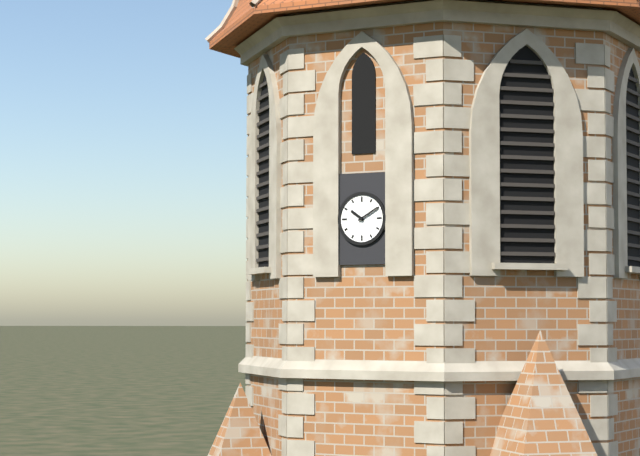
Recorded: 10.10
